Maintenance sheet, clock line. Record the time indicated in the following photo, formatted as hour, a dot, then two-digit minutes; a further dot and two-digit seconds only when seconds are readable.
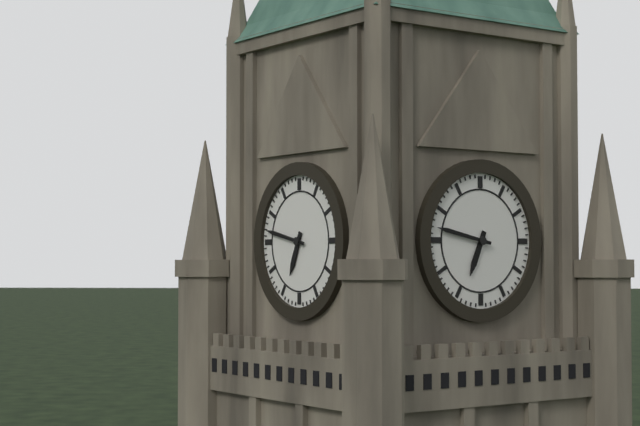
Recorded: 6.47
